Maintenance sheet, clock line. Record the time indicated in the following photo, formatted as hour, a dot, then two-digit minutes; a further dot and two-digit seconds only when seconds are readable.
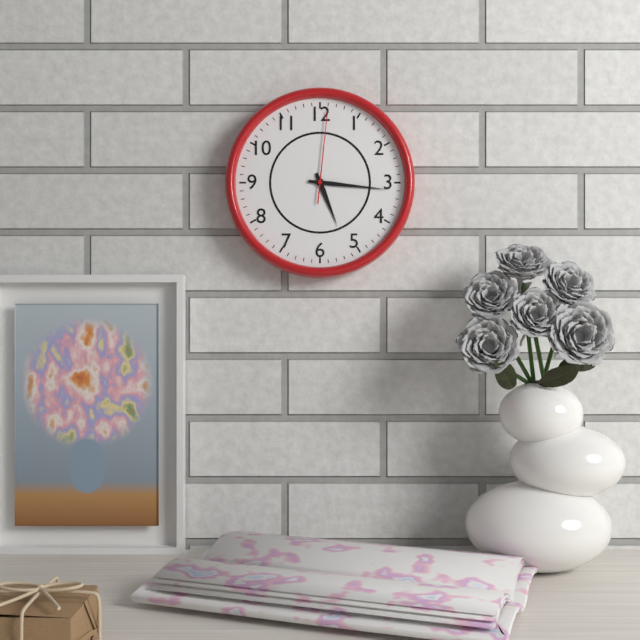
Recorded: 5.16.01
